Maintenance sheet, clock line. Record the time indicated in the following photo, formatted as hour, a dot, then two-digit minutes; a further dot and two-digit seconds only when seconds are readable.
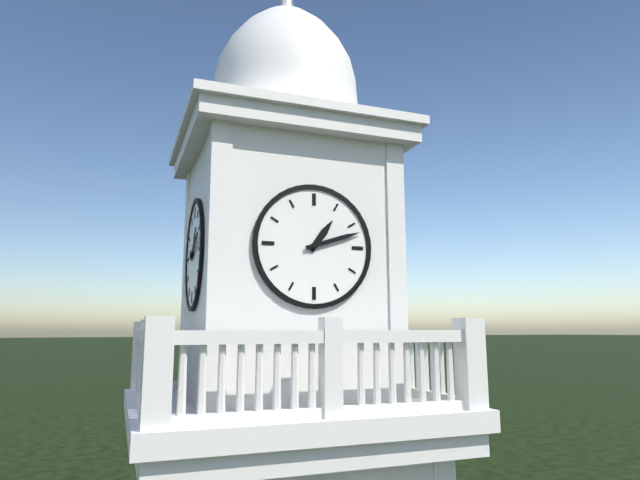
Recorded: 1.12
